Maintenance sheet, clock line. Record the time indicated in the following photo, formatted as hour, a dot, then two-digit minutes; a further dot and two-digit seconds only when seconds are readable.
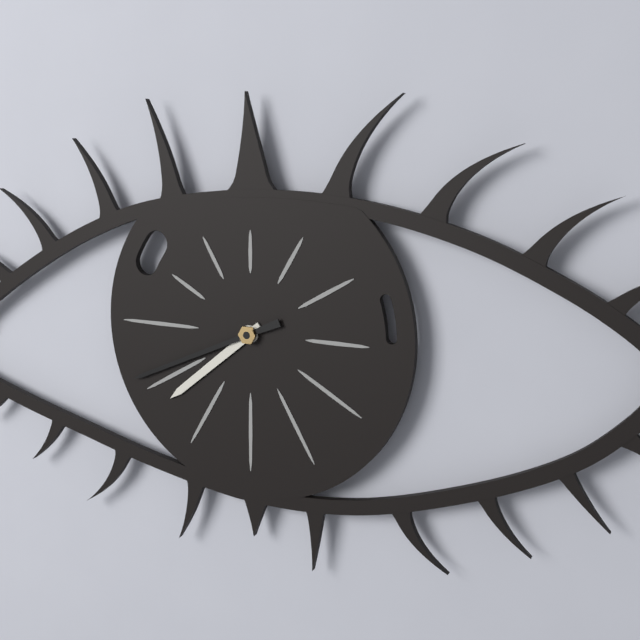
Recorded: 7.41
